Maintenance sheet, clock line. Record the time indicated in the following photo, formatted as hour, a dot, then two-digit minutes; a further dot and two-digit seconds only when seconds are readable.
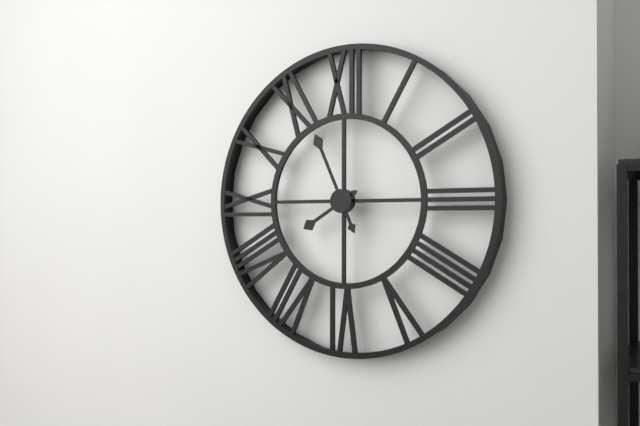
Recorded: 7.56
